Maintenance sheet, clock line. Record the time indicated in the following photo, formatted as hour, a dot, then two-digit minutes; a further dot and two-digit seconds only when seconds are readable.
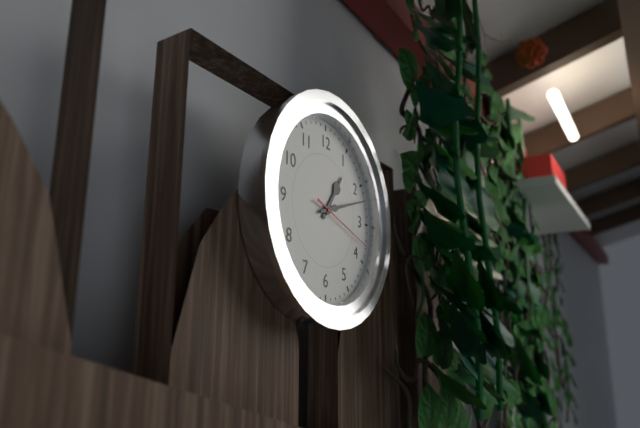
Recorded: 1.12.18
